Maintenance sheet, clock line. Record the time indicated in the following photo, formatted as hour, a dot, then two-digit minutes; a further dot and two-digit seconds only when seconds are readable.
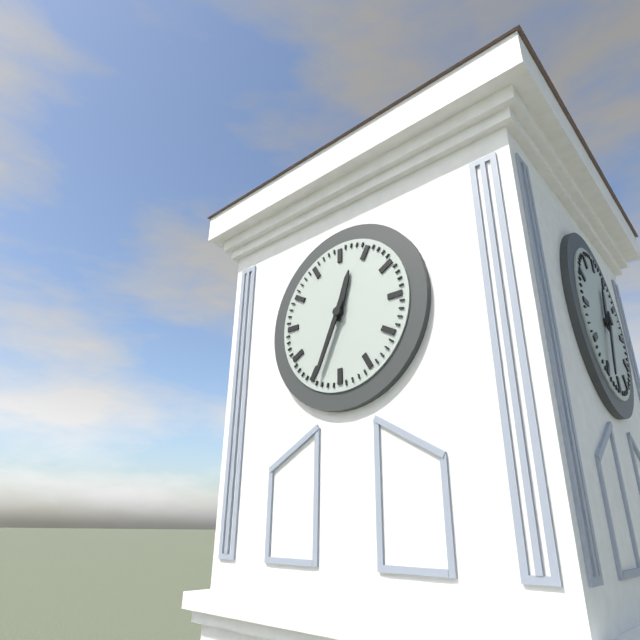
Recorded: 12.34
